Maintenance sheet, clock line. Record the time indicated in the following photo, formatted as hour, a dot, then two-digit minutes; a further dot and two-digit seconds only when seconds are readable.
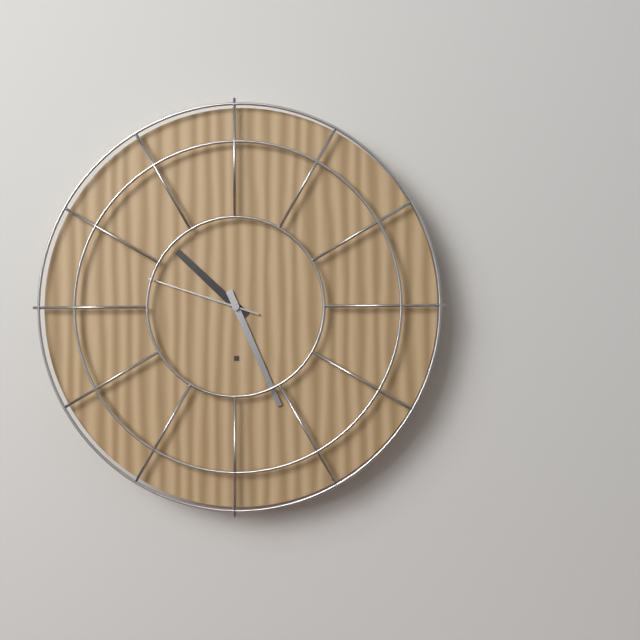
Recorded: 10.26.48
